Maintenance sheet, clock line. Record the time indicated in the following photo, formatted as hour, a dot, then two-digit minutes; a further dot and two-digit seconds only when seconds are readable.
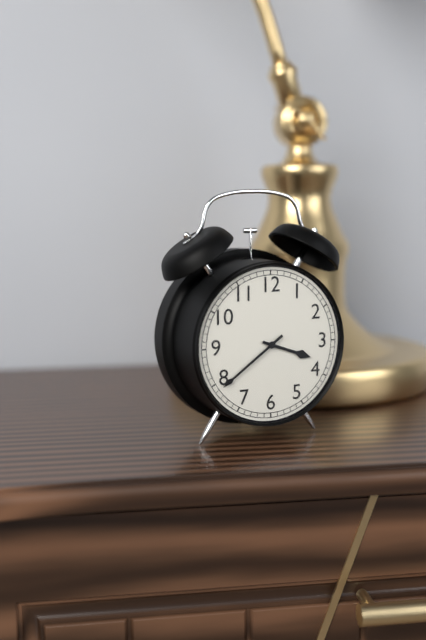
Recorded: 3.39
